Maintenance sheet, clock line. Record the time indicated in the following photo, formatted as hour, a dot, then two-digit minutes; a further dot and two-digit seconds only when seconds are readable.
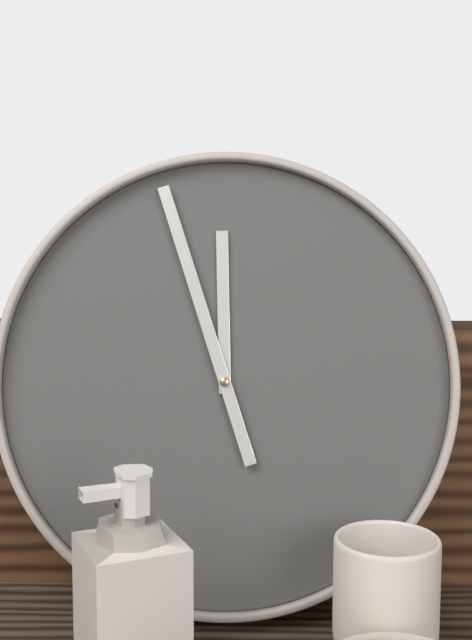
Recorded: 11.57
